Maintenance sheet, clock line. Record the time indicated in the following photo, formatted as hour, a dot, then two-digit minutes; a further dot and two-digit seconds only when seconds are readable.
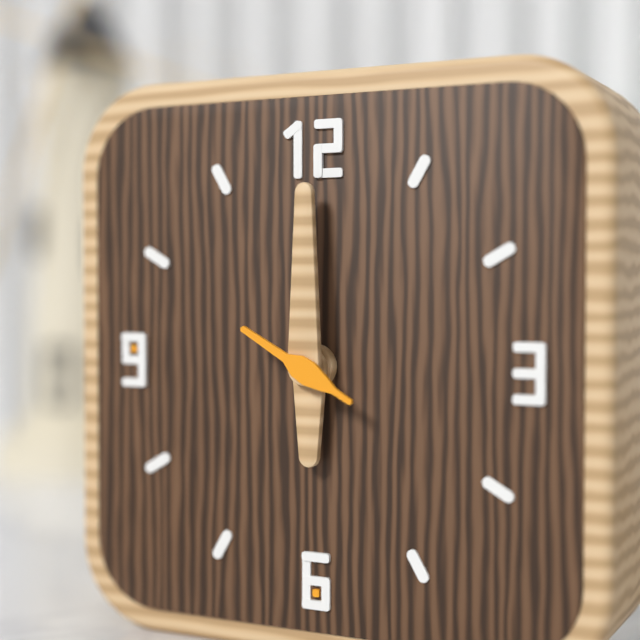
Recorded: 6.00.50
